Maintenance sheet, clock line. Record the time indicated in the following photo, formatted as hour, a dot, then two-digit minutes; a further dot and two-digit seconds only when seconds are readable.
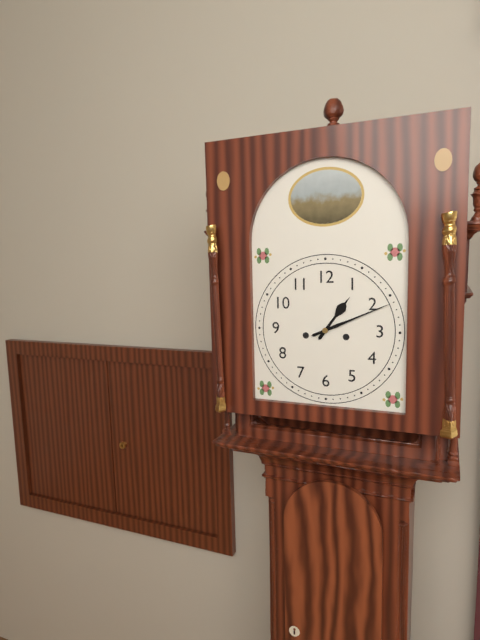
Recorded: 1.11
